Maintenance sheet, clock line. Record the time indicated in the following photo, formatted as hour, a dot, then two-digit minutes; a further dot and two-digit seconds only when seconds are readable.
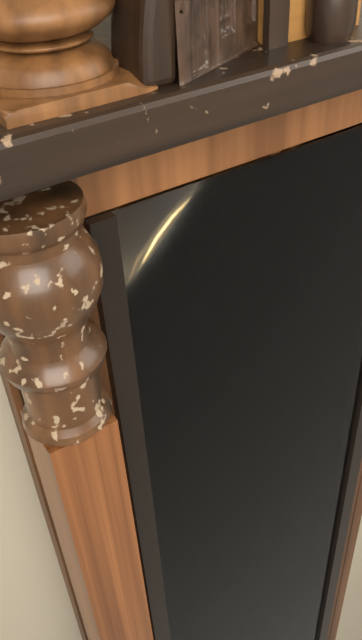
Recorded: 4.43
